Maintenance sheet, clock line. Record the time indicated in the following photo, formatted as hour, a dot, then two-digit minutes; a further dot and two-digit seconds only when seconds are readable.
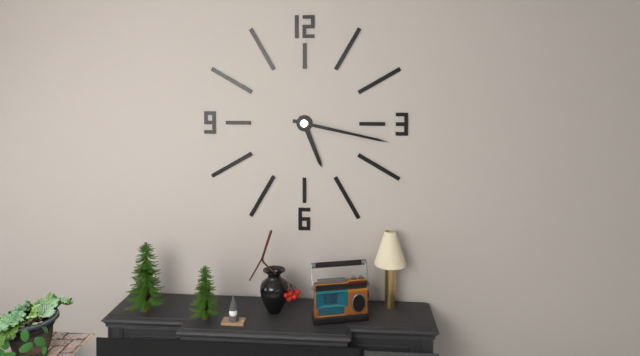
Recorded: 5.17
